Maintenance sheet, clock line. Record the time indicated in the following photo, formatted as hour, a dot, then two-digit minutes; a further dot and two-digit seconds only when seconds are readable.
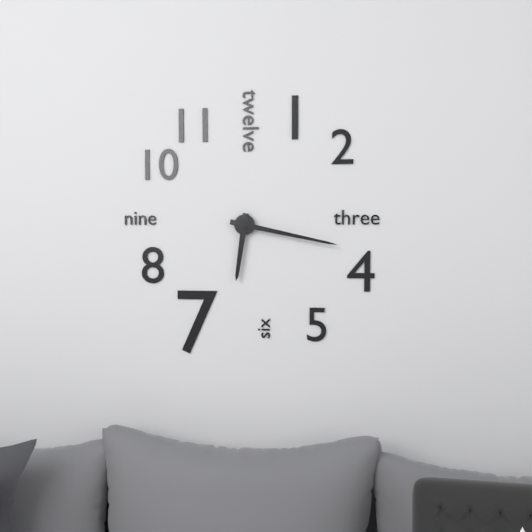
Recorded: 6.17
